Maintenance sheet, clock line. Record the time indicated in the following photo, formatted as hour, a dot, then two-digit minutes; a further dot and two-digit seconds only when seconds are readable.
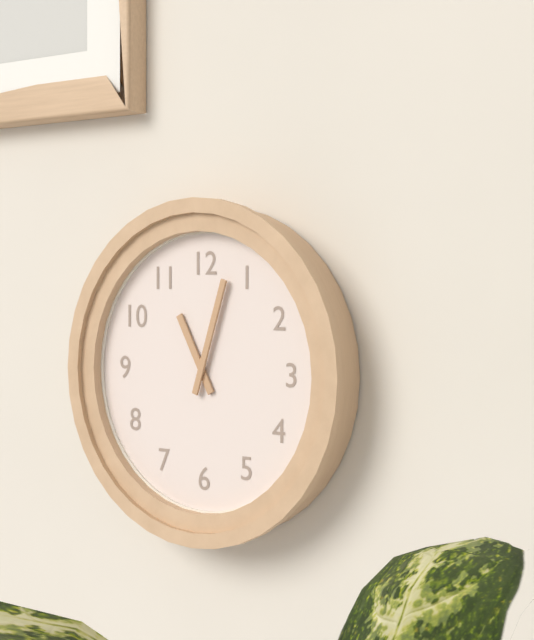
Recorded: 11.03
